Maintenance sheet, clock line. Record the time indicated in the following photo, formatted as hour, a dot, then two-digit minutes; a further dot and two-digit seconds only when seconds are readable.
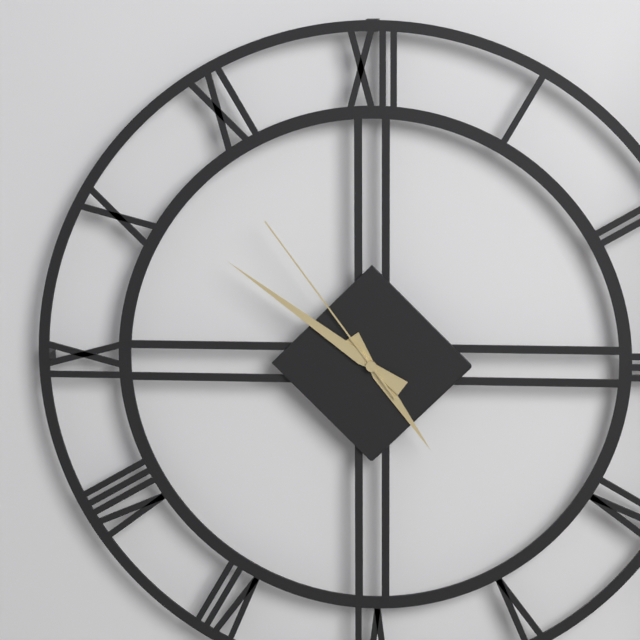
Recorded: 4.51.54
